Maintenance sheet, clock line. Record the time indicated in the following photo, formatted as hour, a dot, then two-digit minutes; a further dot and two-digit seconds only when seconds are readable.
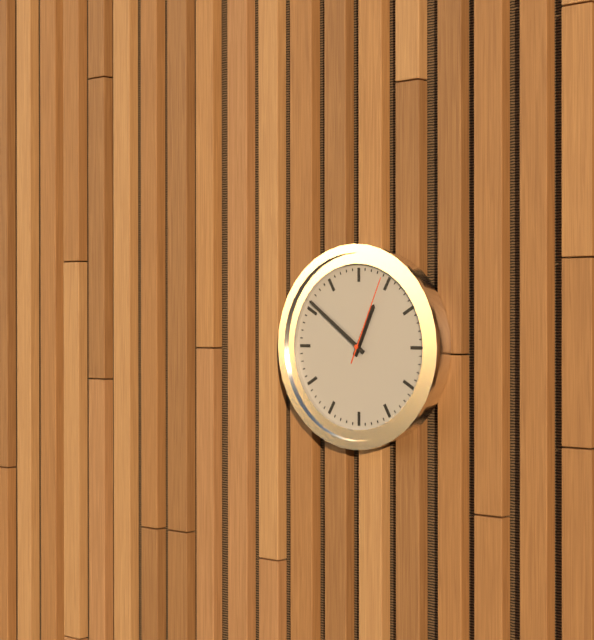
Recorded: 12.51.04
